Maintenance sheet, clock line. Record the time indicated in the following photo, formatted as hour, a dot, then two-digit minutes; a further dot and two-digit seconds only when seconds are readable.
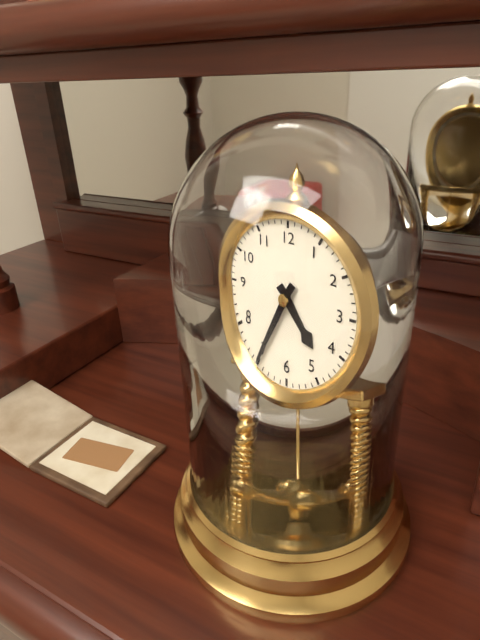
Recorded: 4.35
